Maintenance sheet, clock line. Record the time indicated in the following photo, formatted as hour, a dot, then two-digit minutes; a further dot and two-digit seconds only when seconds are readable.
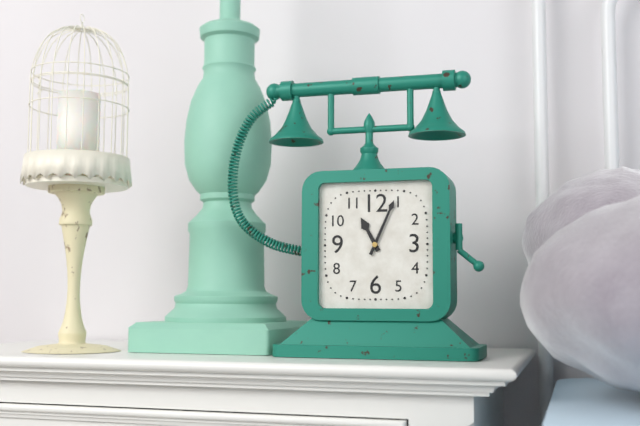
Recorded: 11.04
